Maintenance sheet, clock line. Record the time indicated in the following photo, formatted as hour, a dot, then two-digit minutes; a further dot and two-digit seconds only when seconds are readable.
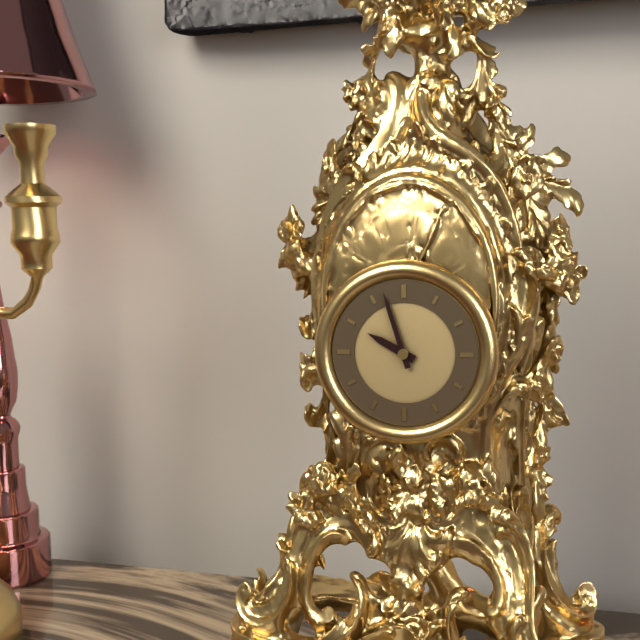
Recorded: 9.57
